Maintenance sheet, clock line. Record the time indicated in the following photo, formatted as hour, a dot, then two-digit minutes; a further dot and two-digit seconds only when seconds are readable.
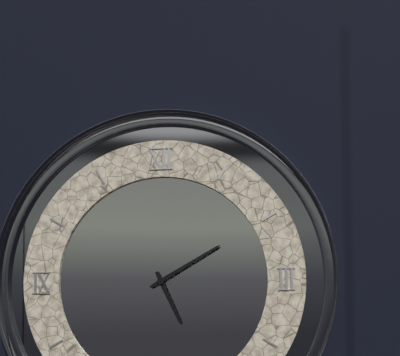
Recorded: 5.10
